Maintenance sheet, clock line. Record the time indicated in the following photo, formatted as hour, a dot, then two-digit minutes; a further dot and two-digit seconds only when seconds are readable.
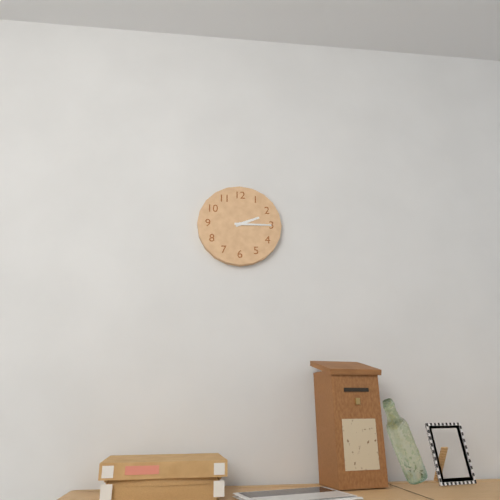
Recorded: 2.15
